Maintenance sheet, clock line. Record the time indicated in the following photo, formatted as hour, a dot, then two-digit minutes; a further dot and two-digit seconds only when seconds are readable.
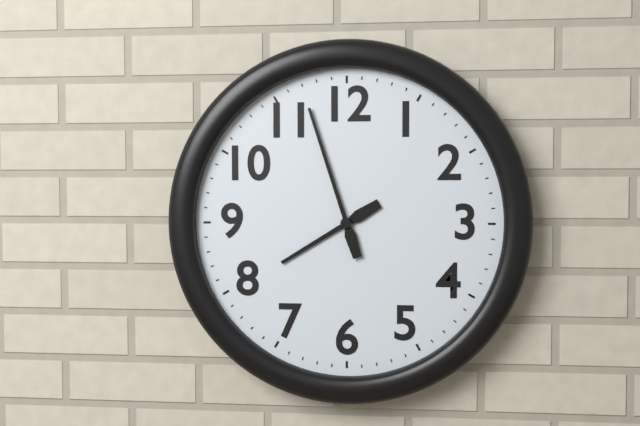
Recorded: 7.57
